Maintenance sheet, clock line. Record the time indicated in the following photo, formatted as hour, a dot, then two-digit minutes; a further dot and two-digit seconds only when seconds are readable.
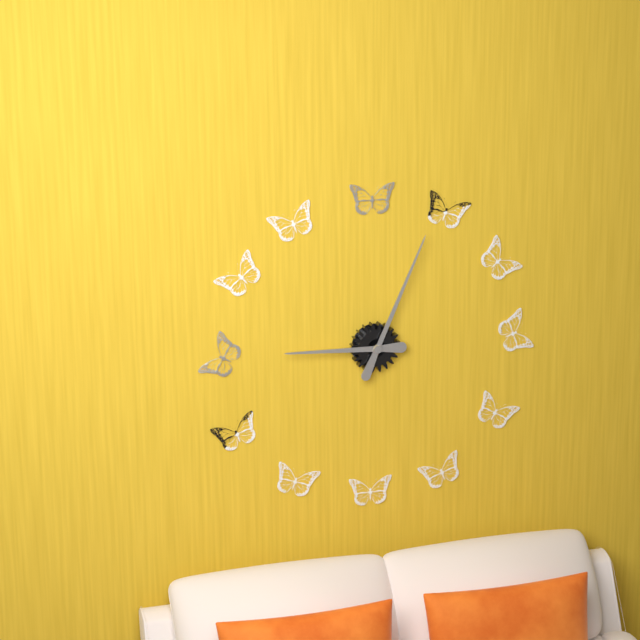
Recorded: 9.04
